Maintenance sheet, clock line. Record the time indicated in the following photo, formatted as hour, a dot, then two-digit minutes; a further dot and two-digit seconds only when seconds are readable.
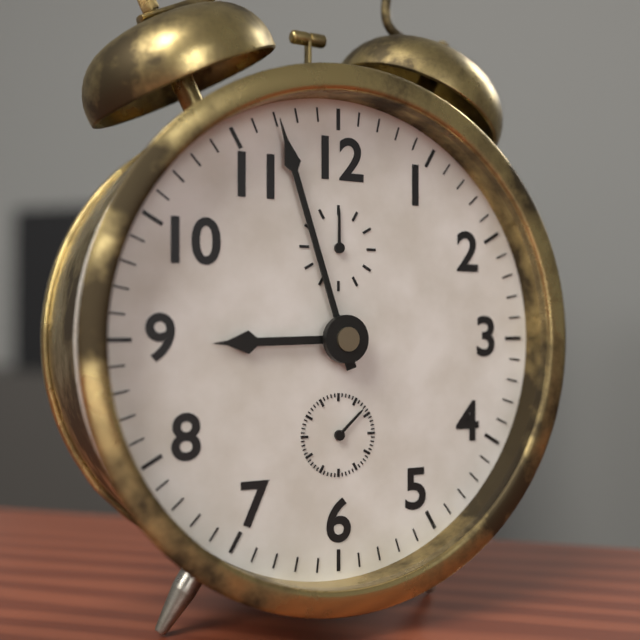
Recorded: 8.57
